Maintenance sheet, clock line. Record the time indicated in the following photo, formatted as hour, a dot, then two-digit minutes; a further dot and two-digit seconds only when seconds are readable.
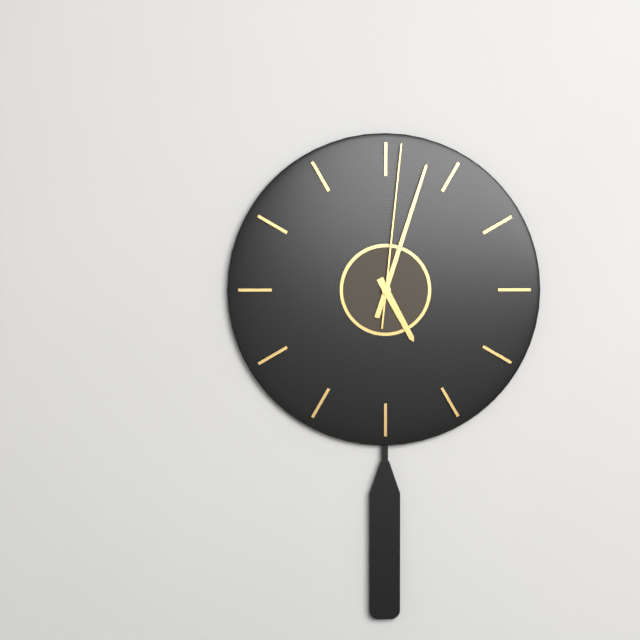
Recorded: 5.03.01
